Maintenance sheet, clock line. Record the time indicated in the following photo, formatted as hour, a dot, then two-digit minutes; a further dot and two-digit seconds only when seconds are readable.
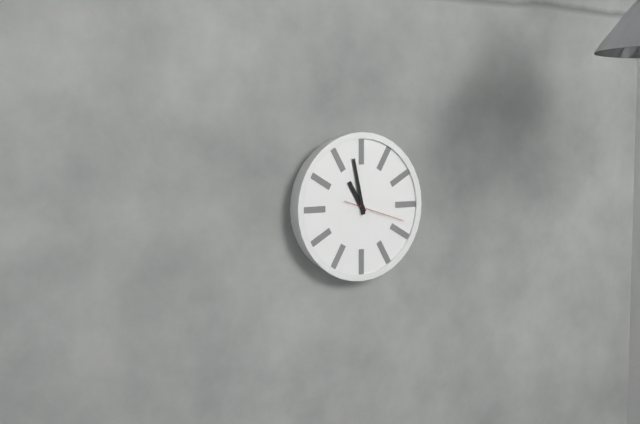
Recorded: 10.58.18
